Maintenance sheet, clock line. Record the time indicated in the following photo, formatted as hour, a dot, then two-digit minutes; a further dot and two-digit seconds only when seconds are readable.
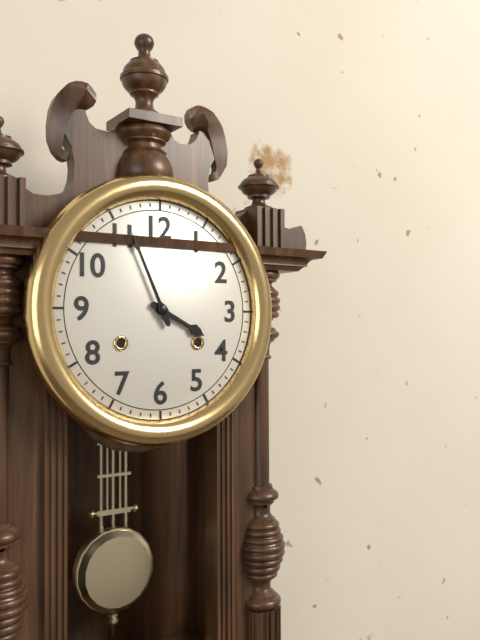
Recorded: 3.56
